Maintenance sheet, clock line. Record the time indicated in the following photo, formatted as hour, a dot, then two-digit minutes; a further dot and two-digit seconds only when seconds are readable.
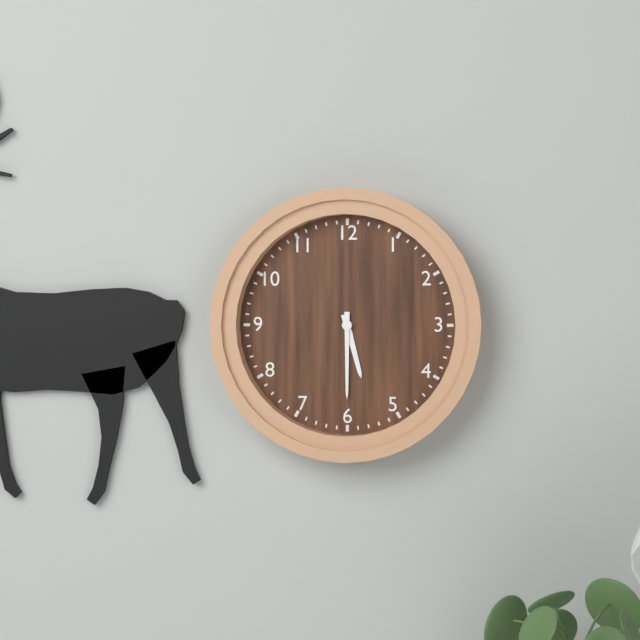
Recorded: 5.30
